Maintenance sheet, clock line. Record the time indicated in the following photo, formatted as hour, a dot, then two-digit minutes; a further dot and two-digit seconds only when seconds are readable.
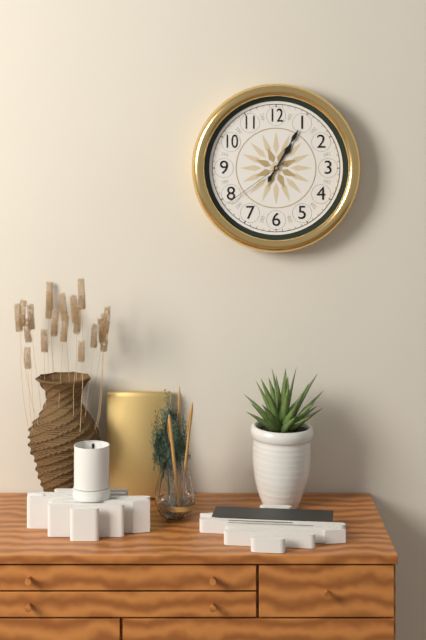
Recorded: 1.05.39
